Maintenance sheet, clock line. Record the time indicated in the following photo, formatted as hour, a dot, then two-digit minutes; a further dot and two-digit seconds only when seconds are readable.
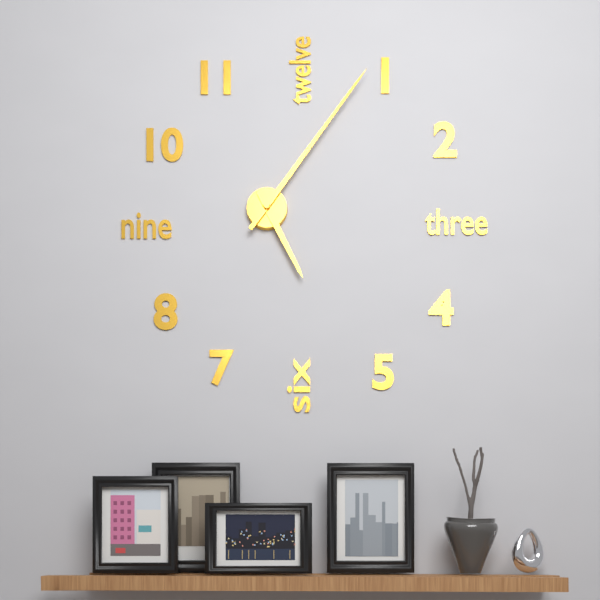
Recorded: 5.06
